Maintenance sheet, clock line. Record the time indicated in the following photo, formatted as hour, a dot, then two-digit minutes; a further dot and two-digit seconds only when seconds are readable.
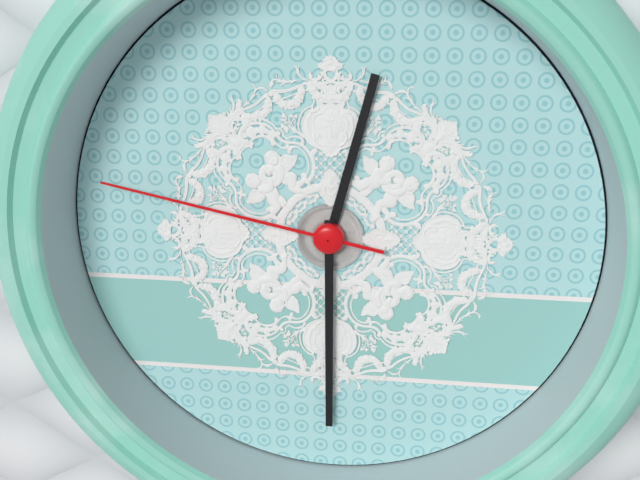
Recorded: 12.30.47
